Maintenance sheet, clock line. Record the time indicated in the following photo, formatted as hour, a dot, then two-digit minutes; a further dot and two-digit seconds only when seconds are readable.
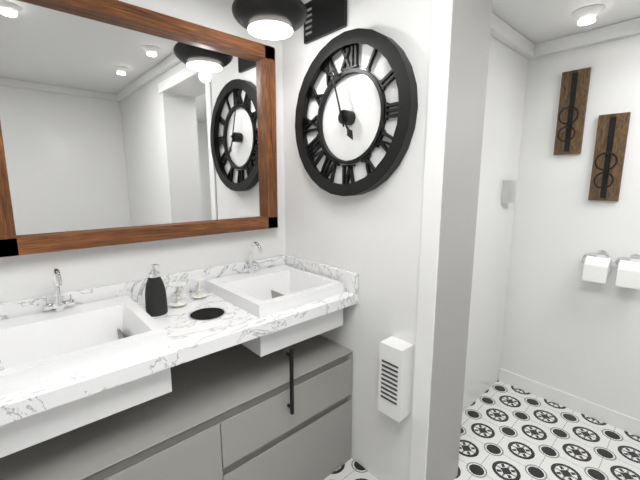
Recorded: 4.57
